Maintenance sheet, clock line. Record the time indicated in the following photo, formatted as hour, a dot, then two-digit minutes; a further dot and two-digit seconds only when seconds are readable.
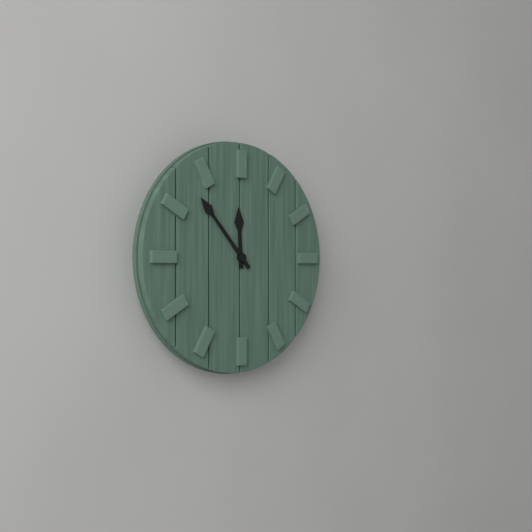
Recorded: 11.53
